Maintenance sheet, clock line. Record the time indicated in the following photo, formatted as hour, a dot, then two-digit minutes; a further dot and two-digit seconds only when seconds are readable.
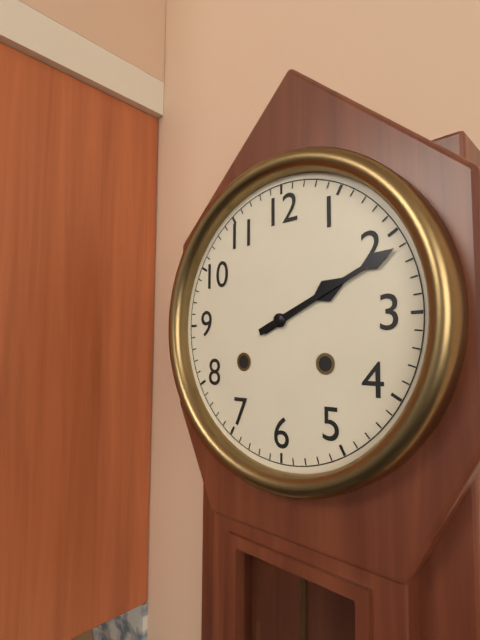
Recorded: 2.11
